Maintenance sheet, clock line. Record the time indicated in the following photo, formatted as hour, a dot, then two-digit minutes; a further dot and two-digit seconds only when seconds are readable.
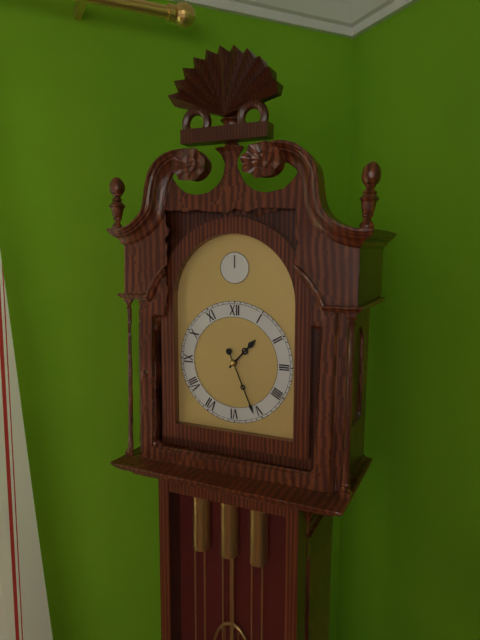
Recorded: 1.26
